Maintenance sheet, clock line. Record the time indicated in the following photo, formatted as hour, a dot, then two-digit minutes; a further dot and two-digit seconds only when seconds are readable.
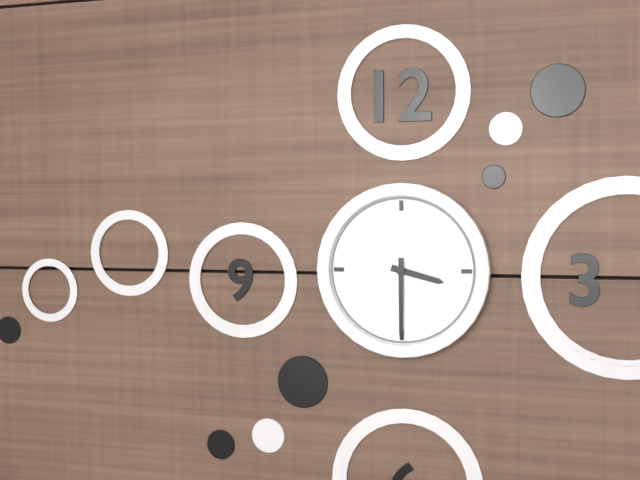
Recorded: 3.30
